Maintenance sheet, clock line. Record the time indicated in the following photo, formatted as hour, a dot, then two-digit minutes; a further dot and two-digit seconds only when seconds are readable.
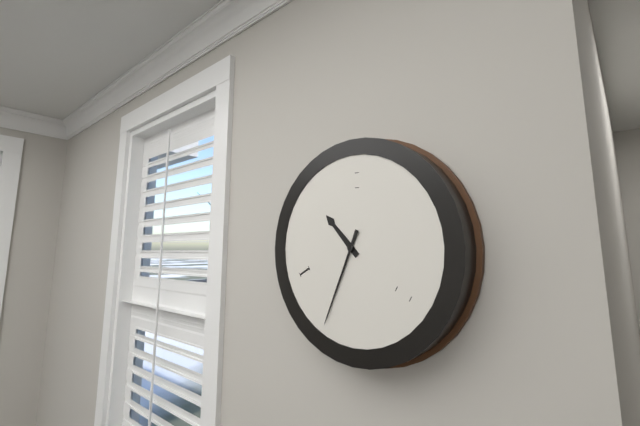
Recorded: 10.34
